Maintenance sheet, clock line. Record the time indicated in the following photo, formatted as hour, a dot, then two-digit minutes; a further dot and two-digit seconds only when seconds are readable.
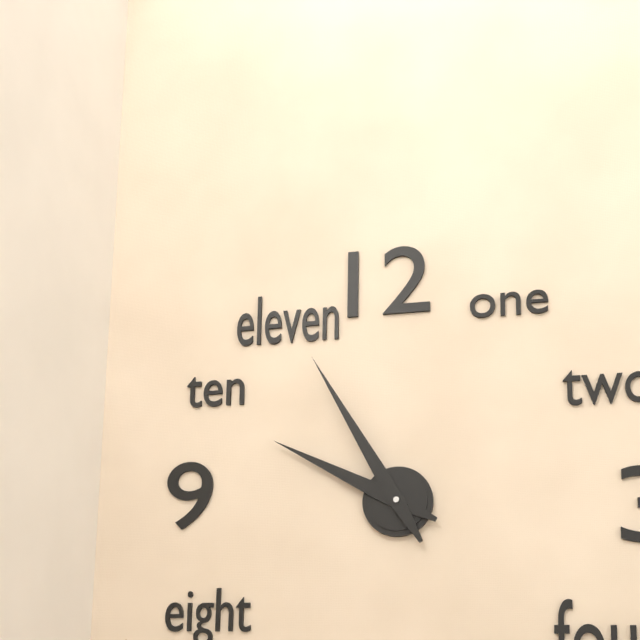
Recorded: 9.55
